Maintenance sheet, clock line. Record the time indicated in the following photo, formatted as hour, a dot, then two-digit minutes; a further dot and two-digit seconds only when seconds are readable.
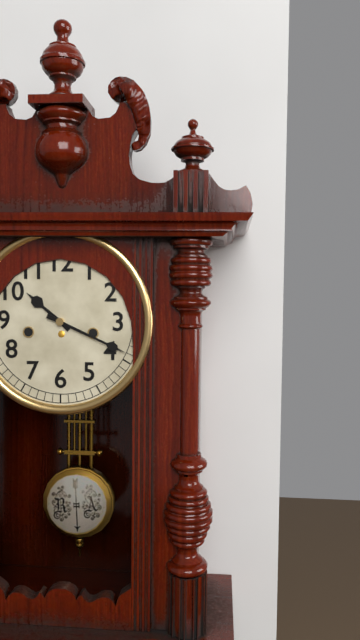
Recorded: 10.19
